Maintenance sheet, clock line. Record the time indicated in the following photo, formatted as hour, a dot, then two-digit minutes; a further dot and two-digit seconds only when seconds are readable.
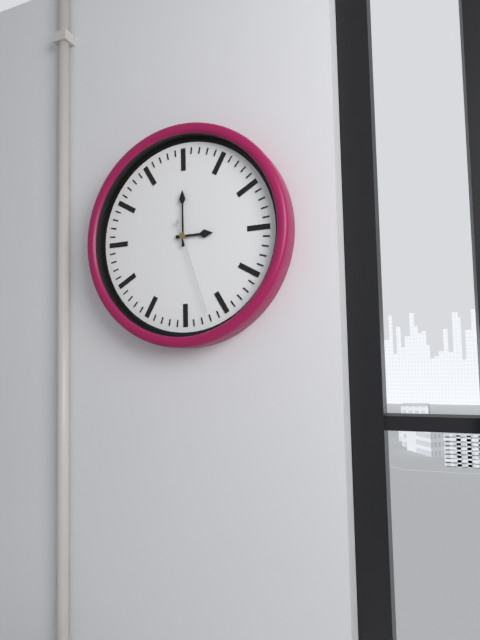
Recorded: 3.00.27
